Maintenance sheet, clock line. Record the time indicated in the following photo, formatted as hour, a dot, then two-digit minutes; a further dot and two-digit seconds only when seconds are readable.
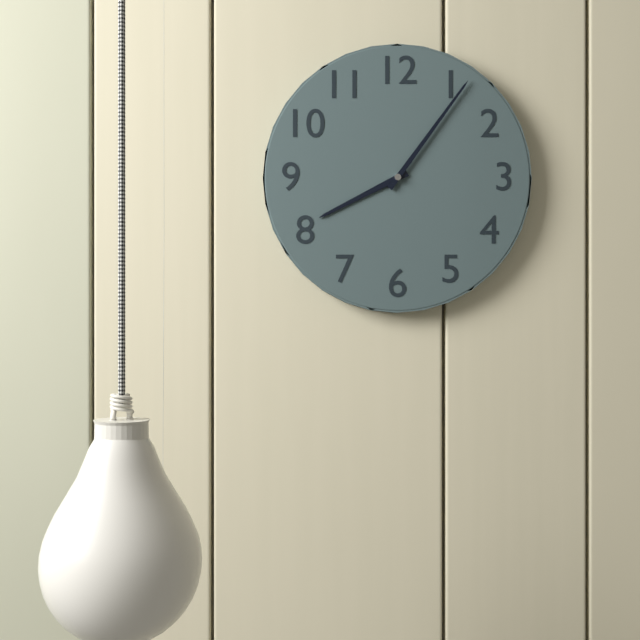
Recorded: 8.06
